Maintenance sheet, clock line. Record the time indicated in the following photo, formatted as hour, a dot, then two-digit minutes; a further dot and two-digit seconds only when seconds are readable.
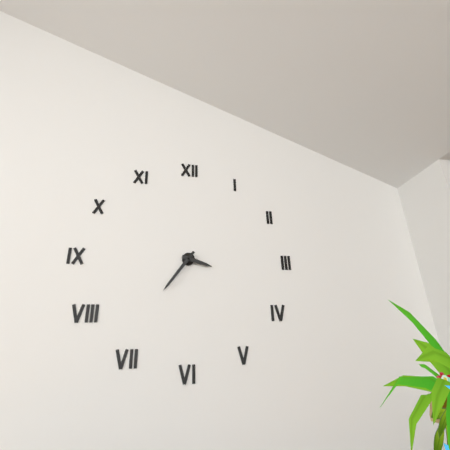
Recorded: 3.36
